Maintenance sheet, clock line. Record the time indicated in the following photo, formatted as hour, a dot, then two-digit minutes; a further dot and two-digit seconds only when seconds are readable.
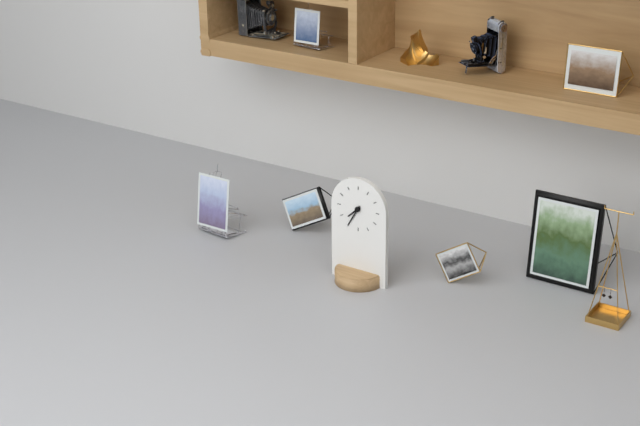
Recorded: 7.35
